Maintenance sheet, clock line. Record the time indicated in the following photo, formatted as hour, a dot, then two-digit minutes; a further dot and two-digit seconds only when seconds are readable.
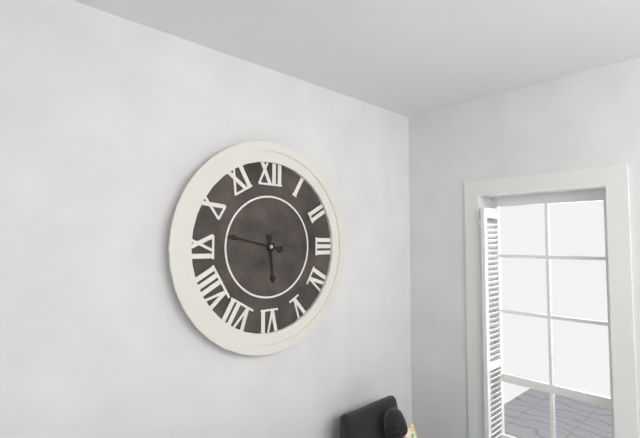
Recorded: 5.47
